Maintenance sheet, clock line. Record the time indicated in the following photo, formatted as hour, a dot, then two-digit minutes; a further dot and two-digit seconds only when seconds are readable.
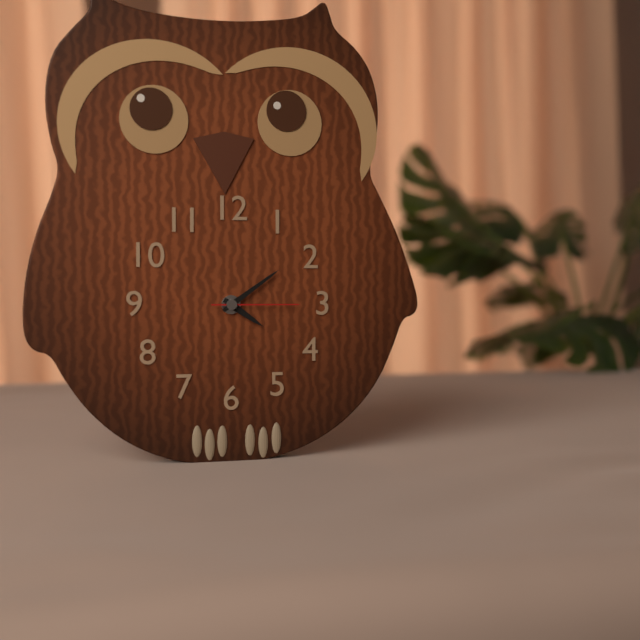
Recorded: 4.09.15
